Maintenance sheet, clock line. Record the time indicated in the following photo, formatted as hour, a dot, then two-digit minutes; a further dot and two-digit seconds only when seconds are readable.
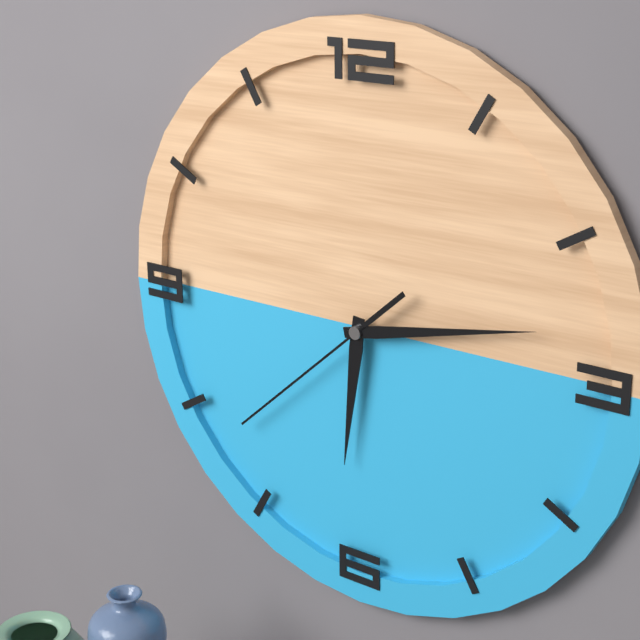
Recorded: 6.13.38
